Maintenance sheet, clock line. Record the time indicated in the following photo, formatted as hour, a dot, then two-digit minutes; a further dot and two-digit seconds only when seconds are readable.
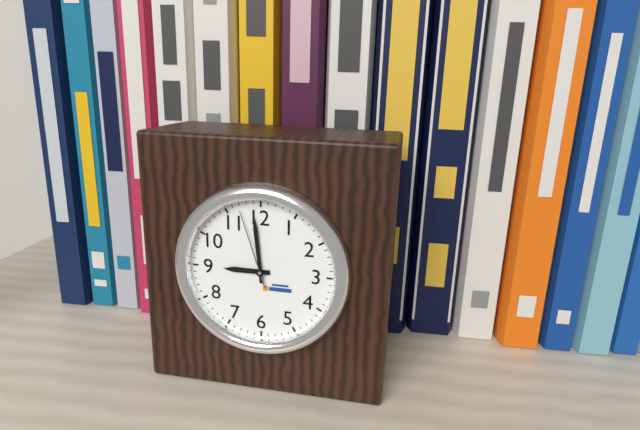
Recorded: 8.59.57
